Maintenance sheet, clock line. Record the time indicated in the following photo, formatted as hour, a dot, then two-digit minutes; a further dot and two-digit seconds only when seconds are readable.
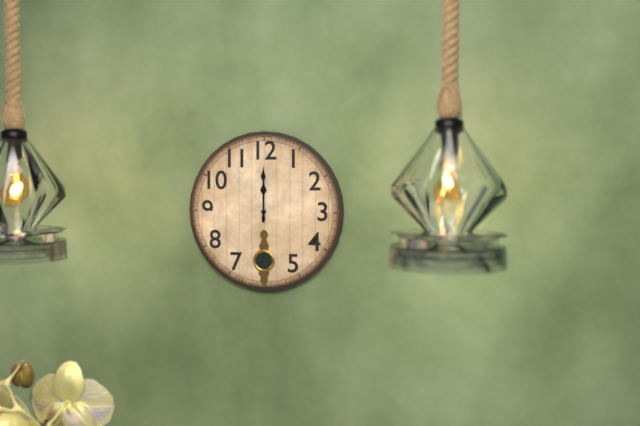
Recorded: 12.00
